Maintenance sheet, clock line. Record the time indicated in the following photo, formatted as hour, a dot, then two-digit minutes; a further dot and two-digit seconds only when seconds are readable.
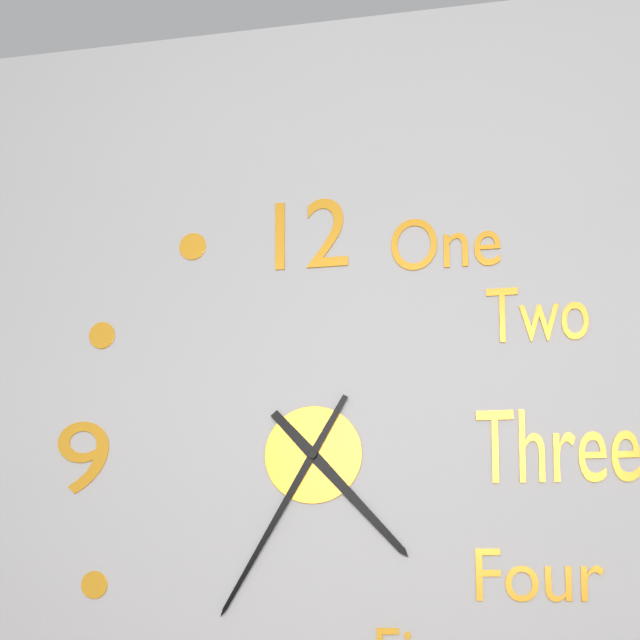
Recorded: 4.35
